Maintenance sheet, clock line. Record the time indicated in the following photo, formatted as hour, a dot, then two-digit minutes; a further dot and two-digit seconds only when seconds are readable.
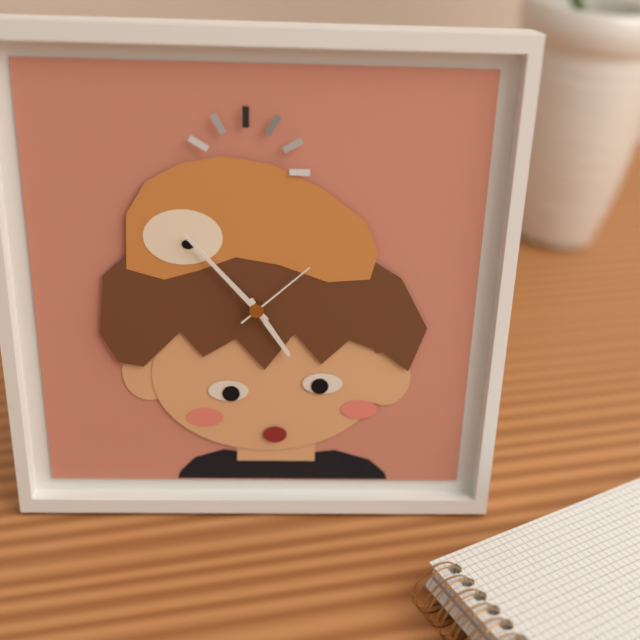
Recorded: 4.53.08
